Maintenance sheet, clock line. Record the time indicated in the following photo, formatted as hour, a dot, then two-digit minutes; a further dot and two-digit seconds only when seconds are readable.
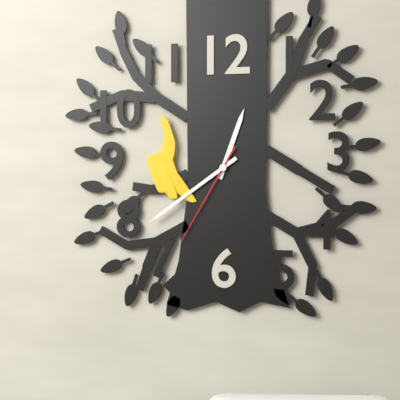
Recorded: 12.39.35
